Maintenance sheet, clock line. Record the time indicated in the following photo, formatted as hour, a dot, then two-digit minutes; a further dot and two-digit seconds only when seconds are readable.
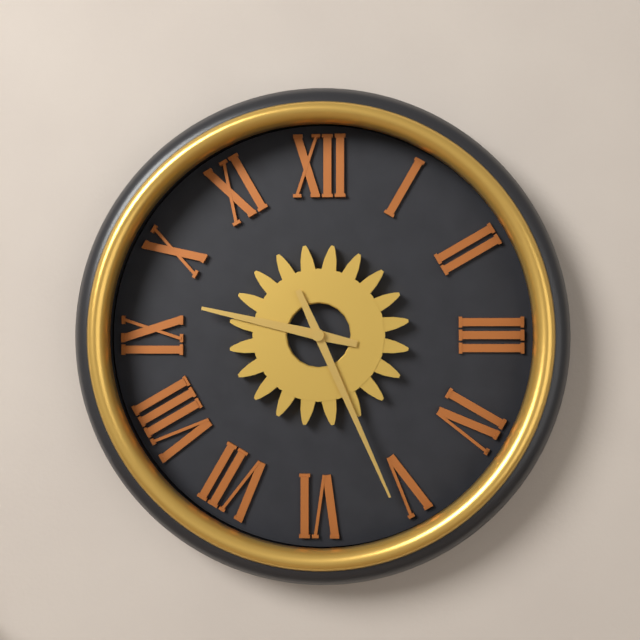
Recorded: 9.26
